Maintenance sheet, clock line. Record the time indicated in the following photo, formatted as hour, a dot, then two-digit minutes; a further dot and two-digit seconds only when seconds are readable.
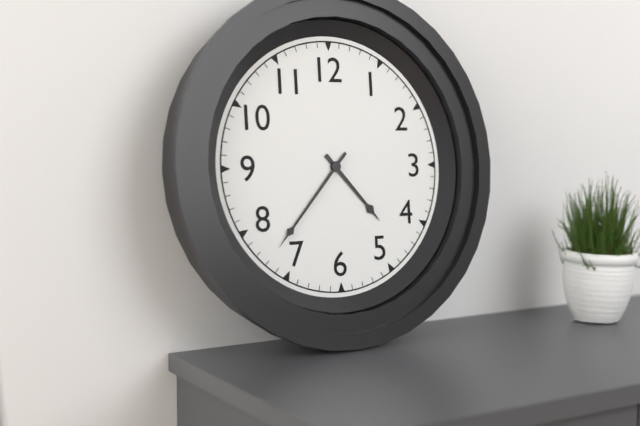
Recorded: 4.37
